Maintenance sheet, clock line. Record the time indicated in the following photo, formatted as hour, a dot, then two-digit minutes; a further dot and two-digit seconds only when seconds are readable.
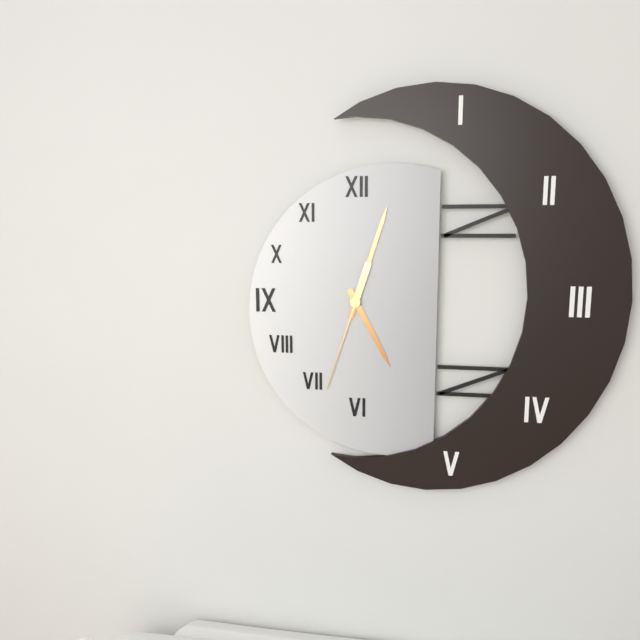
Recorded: 5.03.33
